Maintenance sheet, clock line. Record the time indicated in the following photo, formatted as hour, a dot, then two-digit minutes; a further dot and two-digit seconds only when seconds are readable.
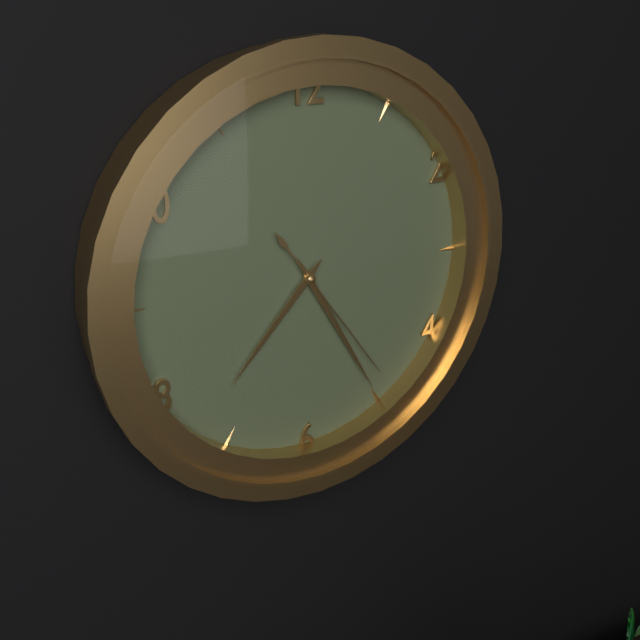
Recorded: 7.25.24
